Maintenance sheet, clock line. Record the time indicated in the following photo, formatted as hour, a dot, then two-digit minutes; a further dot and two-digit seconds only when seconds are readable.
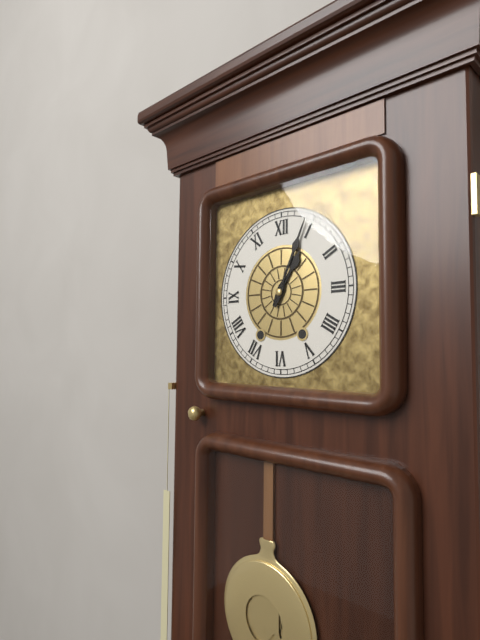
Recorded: 1.04
